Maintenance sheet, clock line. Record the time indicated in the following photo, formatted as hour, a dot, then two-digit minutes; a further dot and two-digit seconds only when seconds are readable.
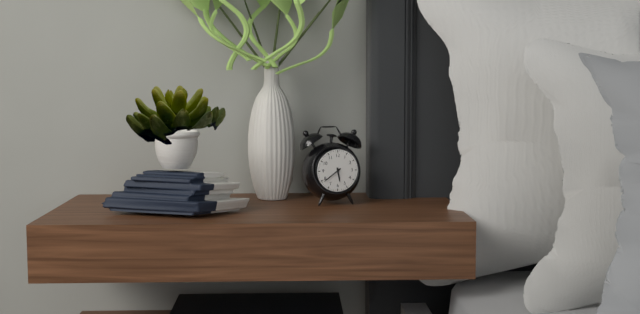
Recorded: 5.39
